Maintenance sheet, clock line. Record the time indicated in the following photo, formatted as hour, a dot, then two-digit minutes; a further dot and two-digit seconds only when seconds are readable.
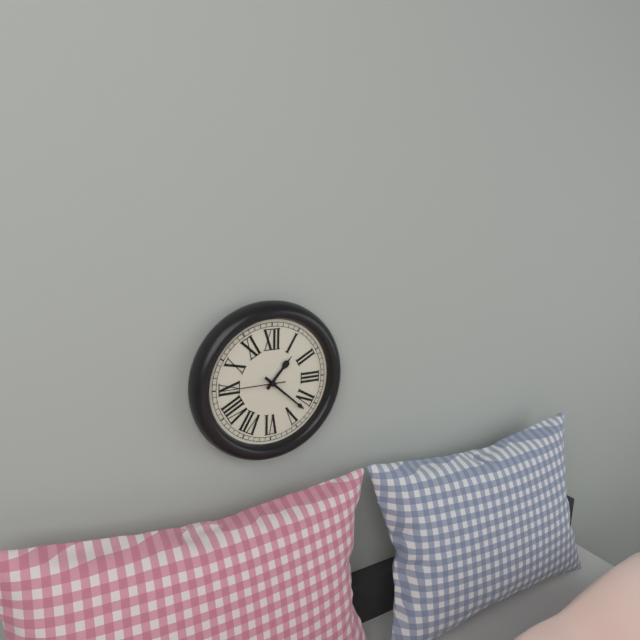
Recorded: 1.22.45
